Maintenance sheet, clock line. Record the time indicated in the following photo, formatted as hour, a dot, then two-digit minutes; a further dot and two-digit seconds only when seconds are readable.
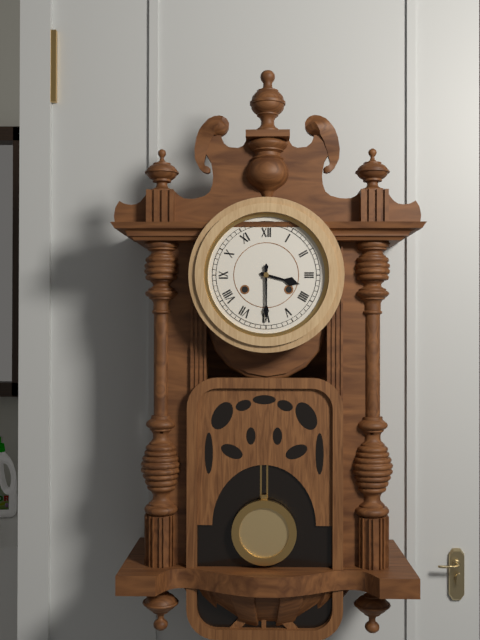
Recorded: 3.30
